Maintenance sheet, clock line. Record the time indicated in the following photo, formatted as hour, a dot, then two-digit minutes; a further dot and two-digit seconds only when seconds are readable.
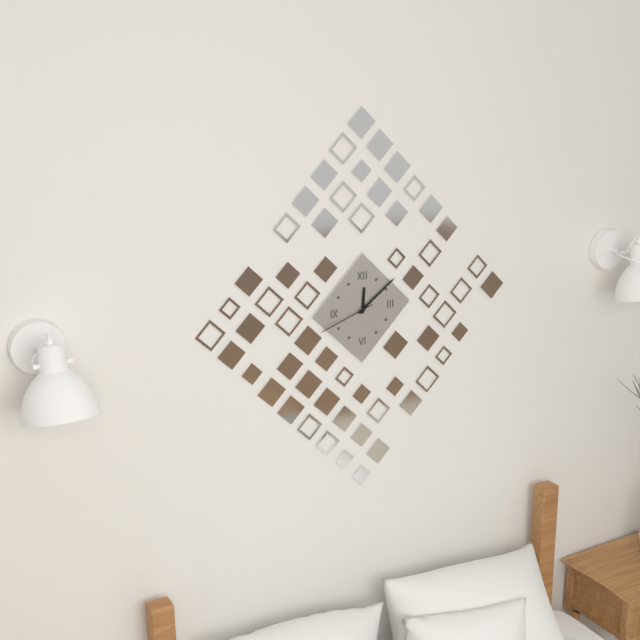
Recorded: 12.09.42
